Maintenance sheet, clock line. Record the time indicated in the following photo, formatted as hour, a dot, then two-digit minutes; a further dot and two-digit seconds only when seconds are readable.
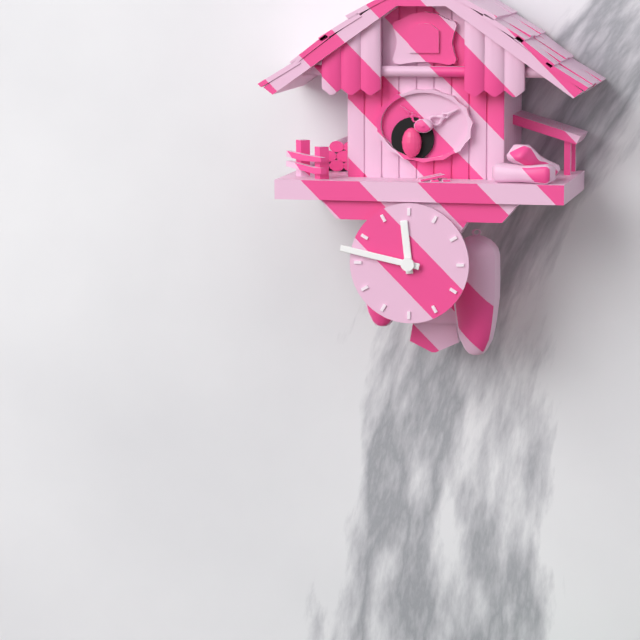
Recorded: 11.47
